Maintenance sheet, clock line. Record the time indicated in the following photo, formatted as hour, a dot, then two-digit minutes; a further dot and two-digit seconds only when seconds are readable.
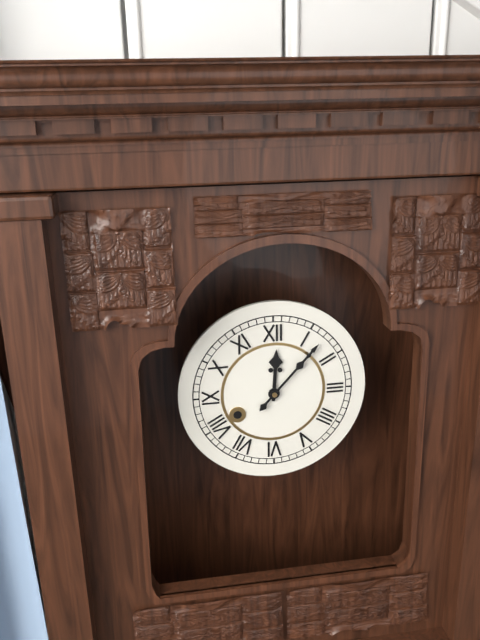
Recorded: 12.07
